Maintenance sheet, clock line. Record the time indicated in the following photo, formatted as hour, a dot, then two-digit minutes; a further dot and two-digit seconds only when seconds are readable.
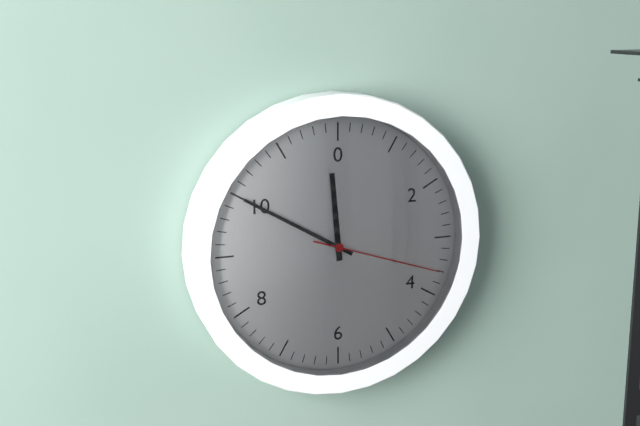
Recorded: 11.50.18
